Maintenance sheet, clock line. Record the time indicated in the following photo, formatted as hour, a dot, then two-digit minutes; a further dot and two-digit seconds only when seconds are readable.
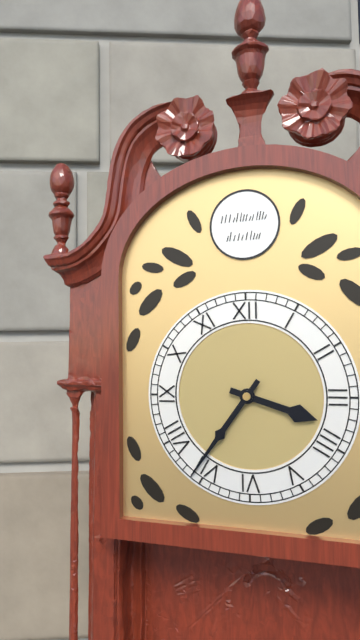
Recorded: 3.36
